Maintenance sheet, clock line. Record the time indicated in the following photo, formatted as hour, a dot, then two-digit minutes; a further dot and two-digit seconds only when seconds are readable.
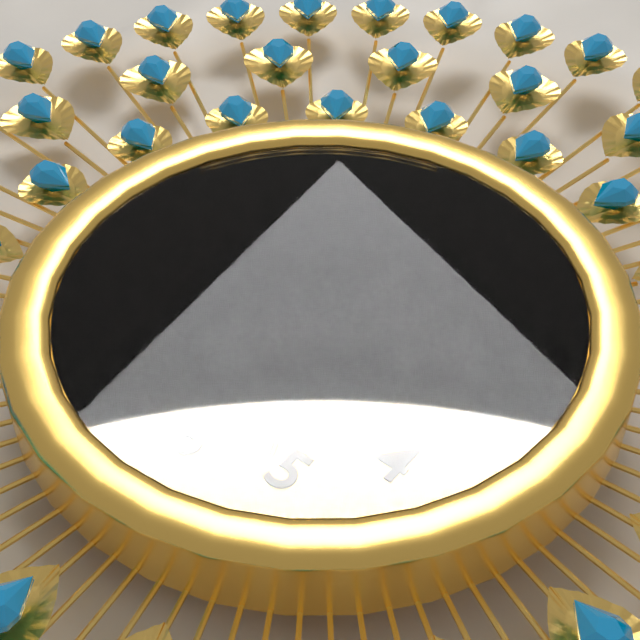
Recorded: 5.26.44
